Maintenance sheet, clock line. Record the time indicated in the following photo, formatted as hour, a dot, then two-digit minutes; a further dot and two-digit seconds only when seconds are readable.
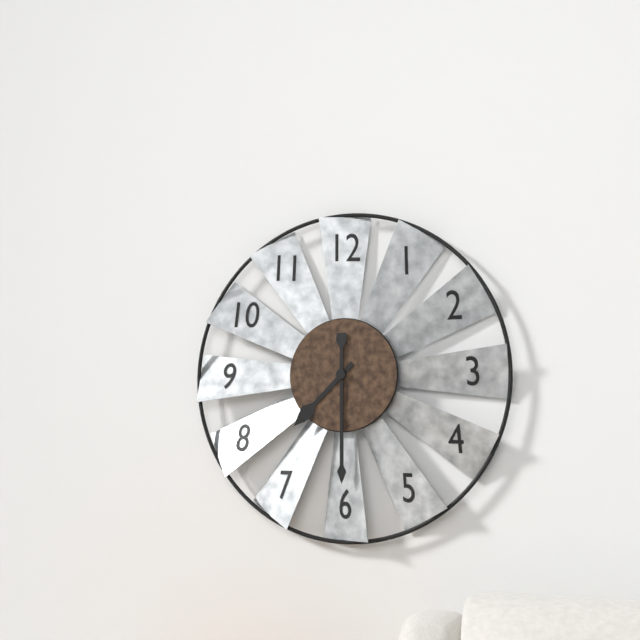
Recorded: 7.30
